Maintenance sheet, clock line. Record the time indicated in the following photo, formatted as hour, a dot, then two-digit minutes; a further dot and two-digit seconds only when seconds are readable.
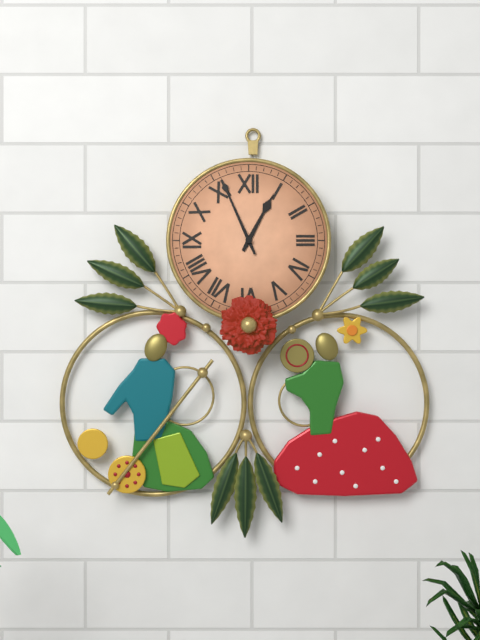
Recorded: 12.56
